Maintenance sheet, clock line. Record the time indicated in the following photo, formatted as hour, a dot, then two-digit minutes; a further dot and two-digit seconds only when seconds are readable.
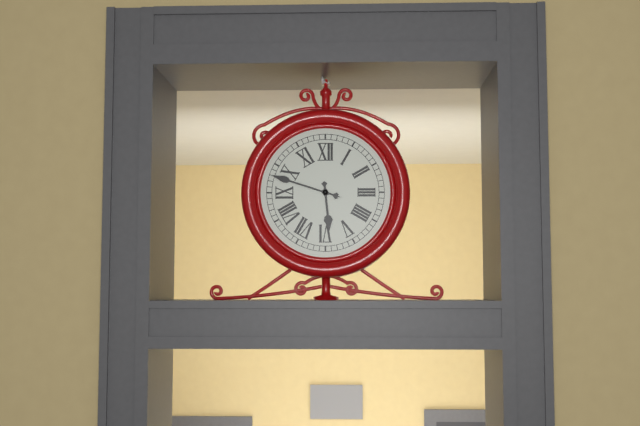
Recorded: 5.48
